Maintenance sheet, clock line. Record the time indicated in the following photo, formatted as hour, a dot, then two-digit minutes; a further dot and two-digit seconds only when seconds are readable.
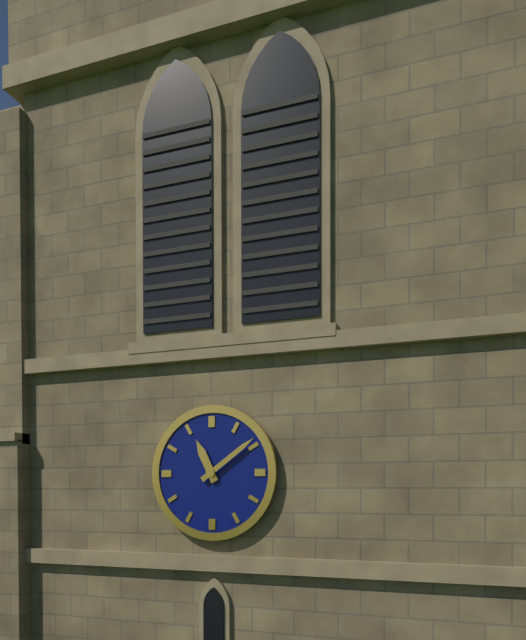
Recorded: 11.09
